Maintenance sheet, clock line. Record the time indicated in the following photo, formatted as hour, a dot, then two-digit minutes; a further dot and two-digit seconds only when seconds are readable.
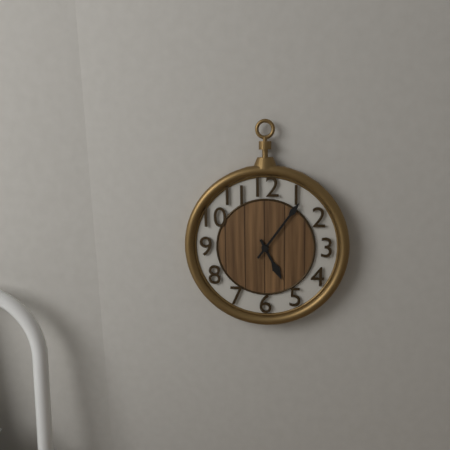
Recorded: 5.06
